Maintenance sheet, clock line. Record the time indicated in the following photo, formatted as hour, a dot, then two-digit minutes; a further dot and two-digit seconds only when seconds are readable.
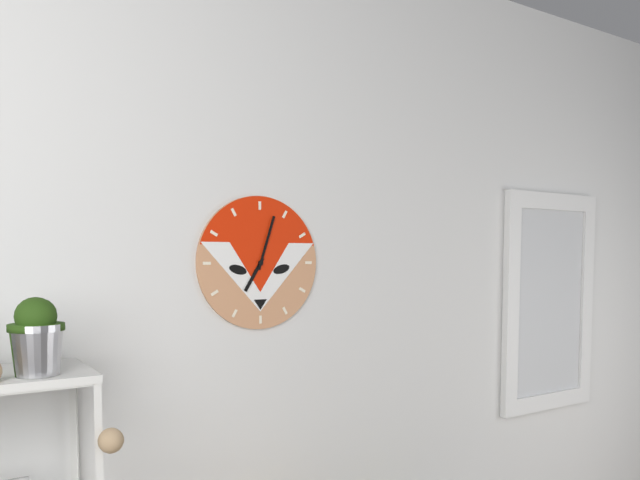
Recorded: 7.03
